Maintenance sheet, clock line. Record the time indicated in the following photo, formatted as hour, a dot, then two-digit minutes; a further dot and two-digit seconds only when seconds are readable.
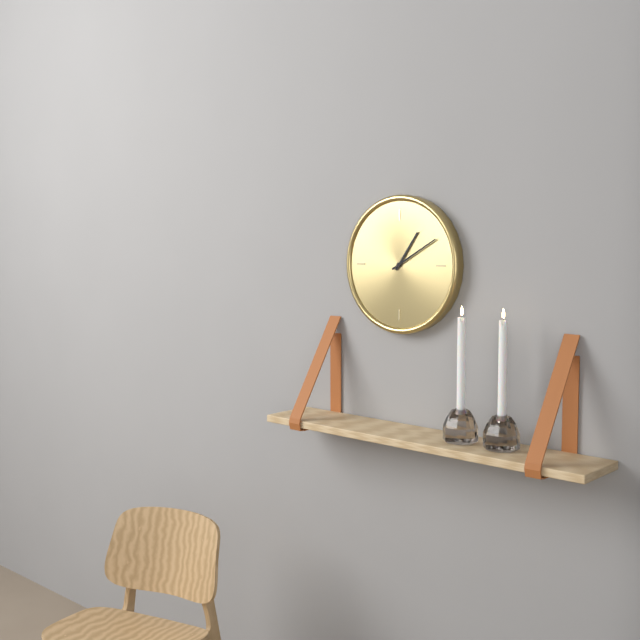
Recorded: 1.10
